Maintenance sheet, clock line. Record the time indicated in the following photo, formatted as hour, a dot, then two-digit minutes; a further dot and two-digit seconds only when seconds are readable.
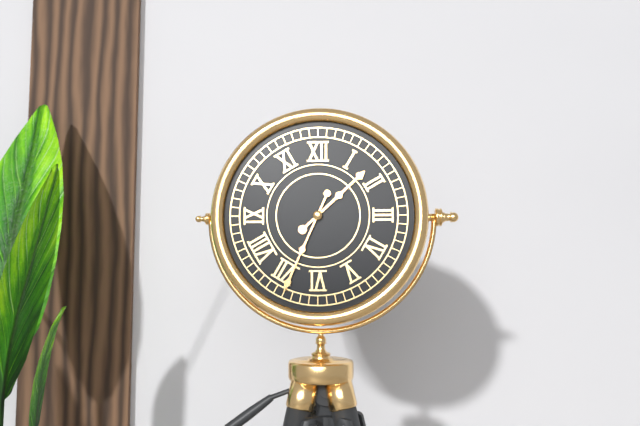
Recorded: 1.34
